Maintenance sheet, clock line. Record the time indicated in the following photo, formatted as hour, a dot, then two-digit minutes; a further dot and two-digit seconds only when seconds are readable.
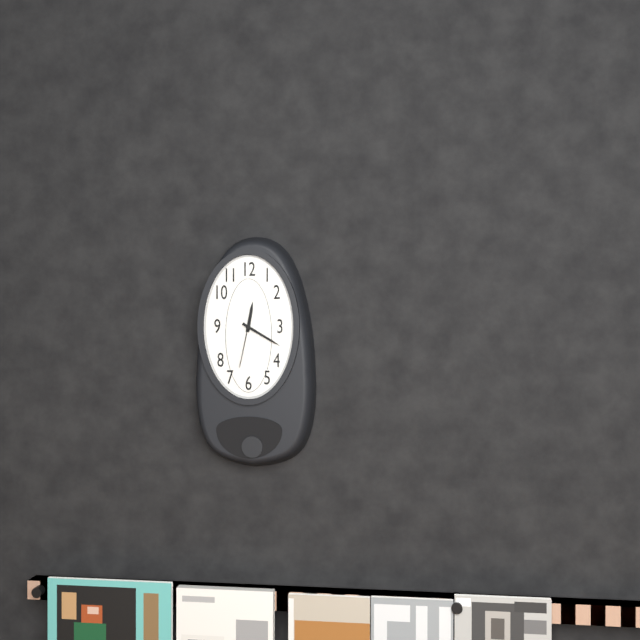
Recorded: 12.20.32
